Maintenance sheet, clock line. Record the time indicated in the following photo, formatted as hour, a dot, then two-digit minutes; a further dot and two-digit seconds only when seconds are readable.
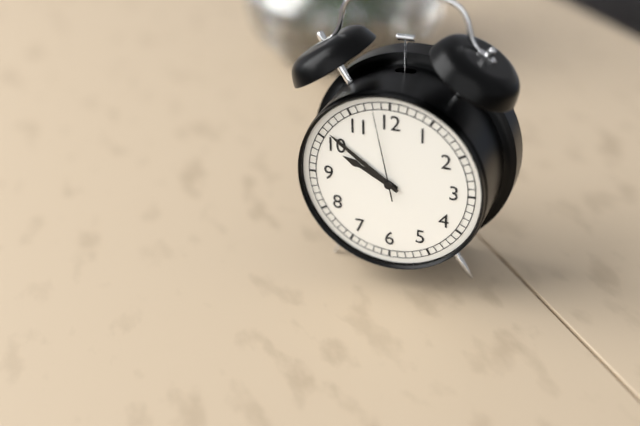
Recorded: 9.51.58
